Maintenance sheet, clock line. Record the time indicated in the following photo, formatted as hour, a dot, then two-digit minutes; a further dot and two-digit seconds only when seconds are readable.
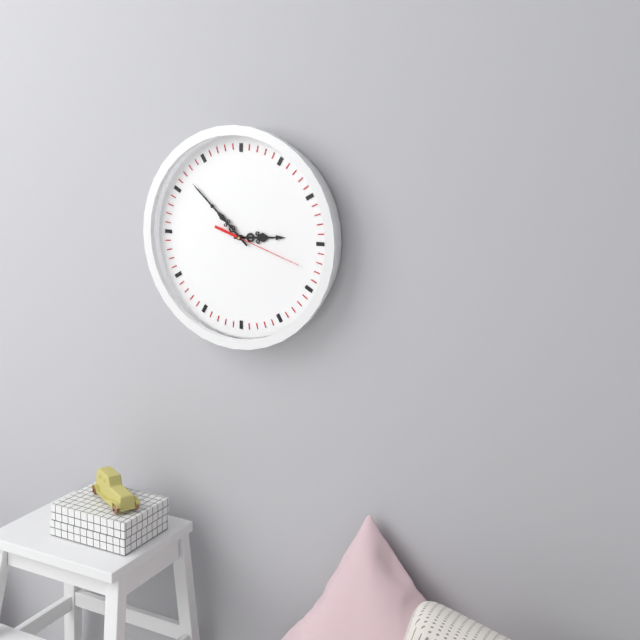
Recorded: 2.52.18
